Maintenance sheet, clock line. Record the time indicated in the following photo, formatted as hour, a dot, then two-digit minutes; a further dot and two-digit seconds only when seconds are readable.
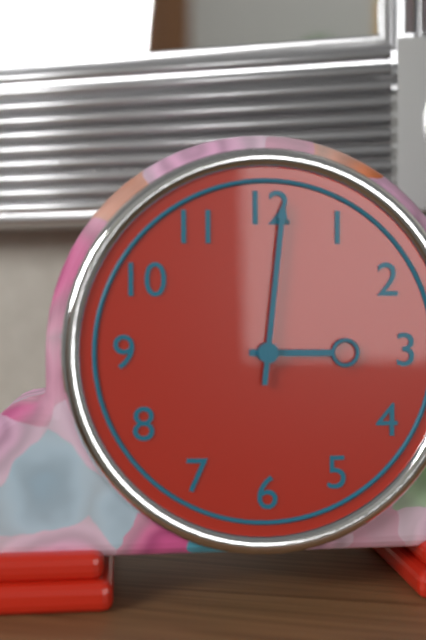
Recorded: 3.01
